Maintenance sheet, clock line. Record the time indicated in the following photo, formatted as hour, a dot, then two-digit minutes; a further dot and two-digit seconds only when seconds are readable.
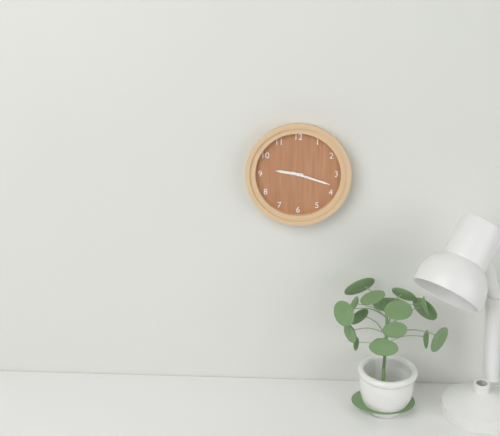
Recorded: 9.18
